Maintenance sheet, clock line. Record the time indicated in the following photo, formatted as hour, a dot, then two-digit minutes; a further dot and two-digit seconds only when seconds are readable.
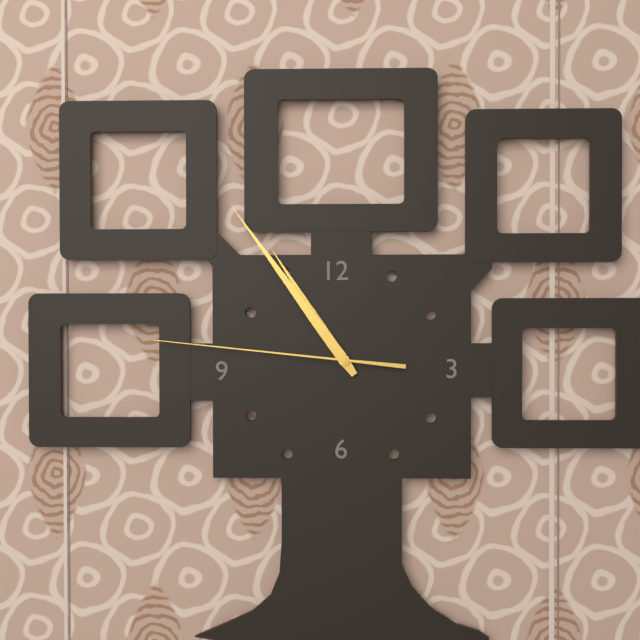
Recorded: 10.54.46
